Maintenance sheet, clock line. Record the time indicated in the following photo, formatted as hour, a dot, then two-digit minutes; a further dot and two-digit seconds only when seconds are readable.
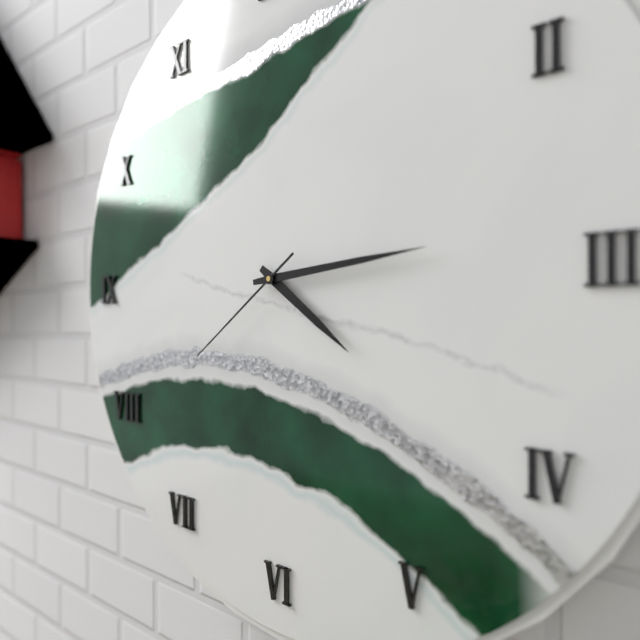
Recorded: 4.14.39
